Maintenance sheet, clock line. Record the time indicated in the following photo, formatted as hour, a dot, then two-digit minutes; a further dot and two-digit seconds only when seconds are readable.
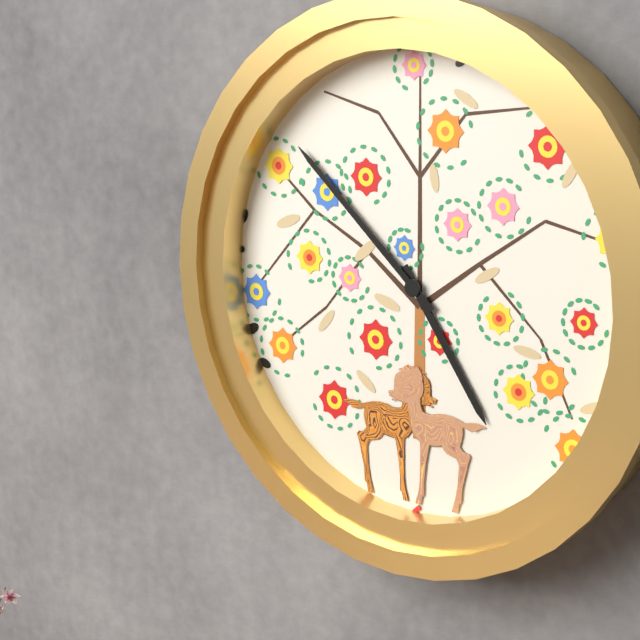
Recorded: 4.52
